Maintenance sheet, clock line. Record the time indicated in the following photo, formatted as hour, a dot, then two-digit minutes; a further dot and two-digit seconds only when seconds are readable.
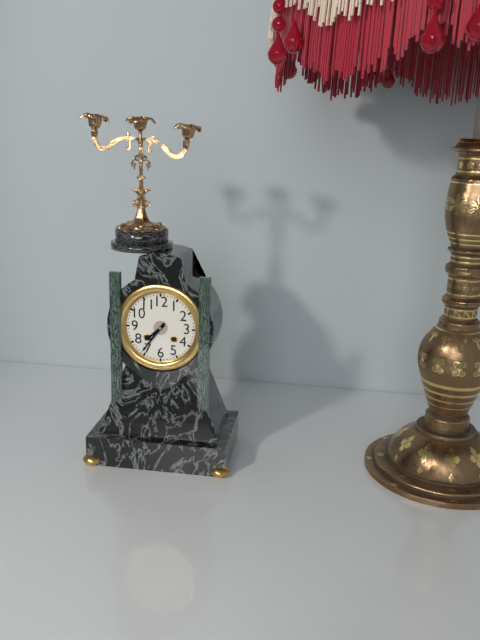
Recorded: 7.36
